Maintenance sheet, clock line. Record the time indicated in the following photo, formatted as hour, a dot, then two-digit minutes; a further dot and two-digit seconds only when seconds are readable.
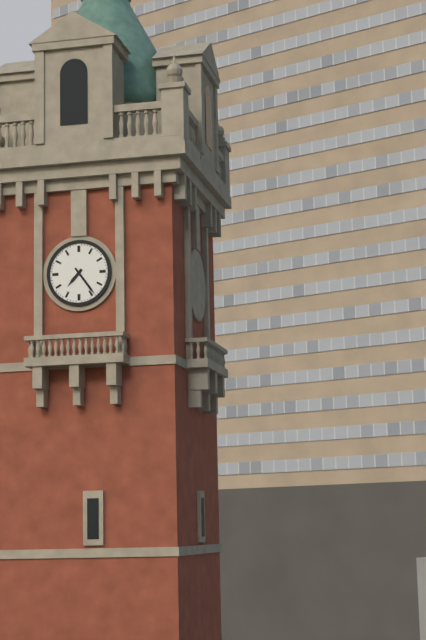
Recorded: 7.24
